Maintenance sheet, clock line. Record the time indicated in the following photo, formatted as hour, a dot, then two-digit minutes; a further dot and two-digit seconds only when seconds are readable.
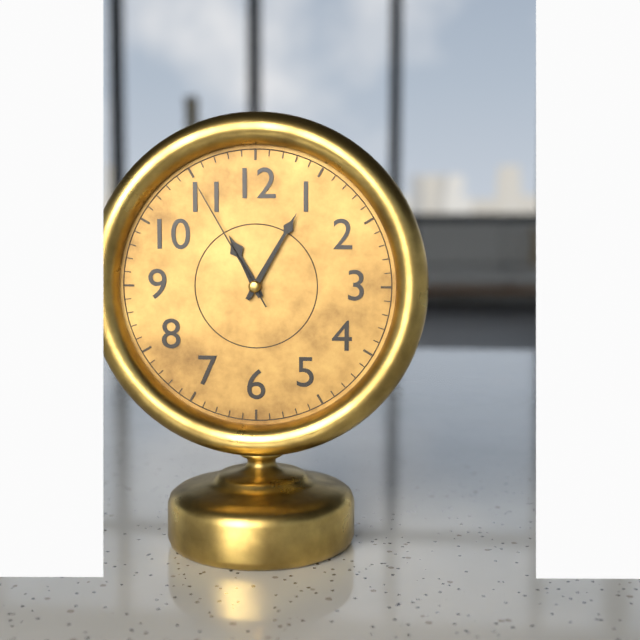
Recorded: 11.05.55
